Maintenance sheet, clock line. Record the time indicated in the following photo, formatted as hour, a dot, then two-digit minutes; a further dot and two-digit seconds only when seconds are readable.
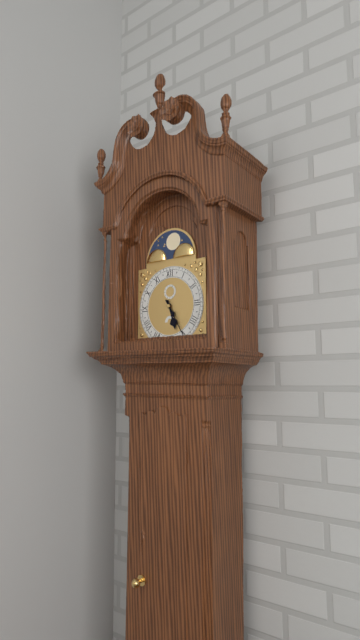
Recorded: 5.25
